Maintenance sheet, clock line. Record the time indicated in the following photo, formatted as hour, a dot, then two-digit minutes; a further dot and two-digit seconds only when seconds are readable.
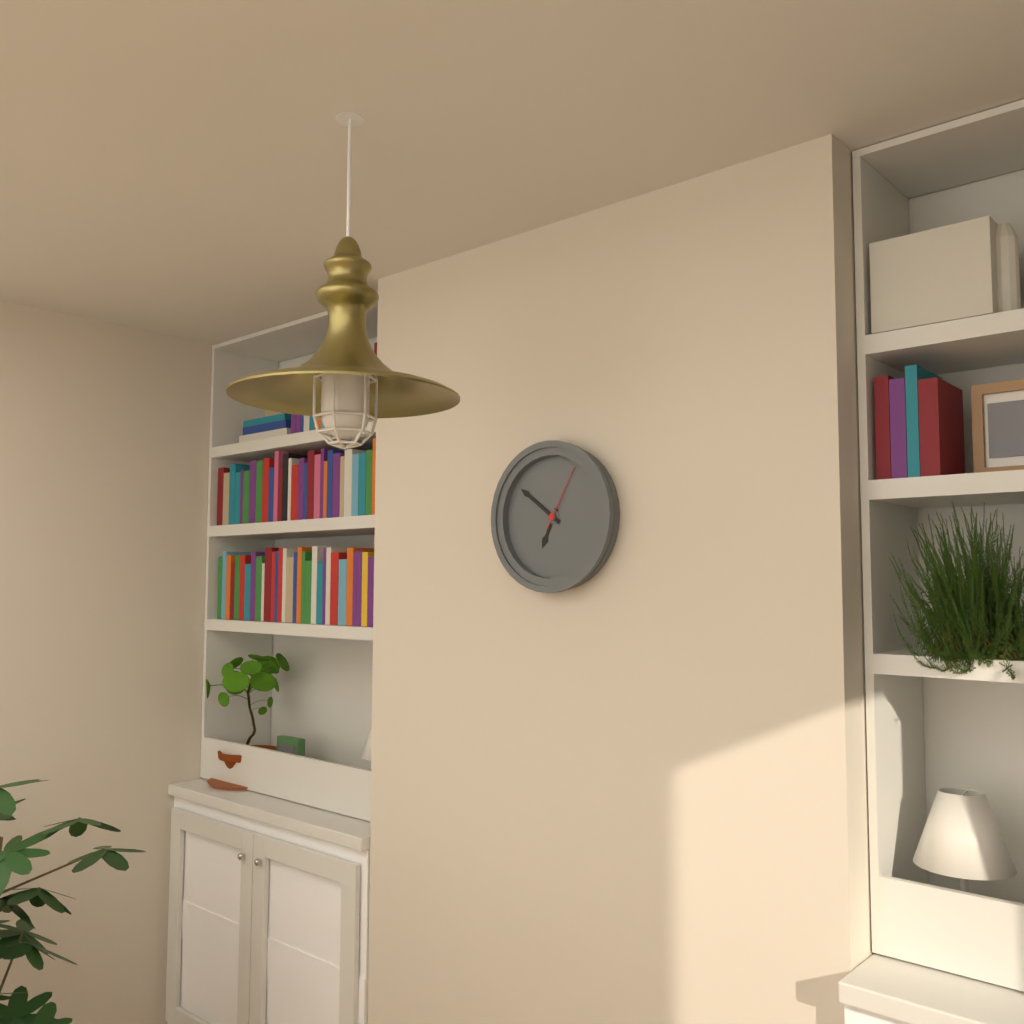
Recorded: 6.51.05
